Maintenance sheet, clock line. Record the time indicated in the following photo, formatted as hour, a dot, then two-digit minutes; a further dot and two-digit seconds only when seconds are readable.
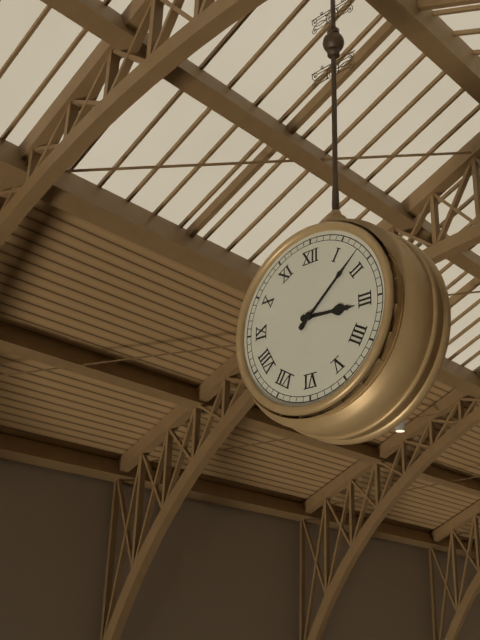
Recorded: 3.08
